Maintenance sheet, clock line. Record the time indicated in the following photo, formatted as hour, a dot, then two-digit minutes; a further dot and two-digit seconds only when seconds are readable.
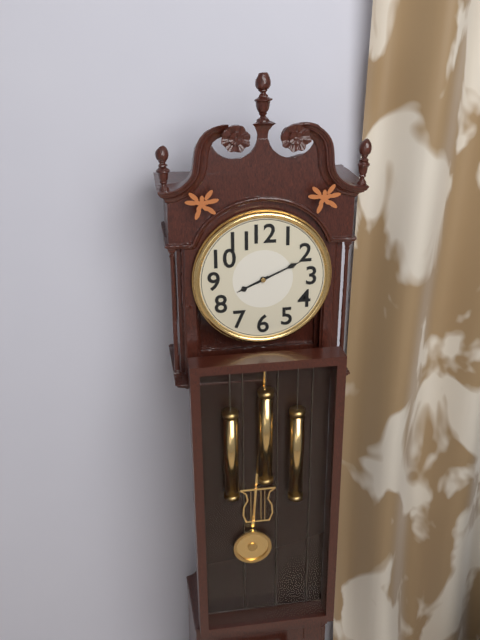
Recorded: 8.11
